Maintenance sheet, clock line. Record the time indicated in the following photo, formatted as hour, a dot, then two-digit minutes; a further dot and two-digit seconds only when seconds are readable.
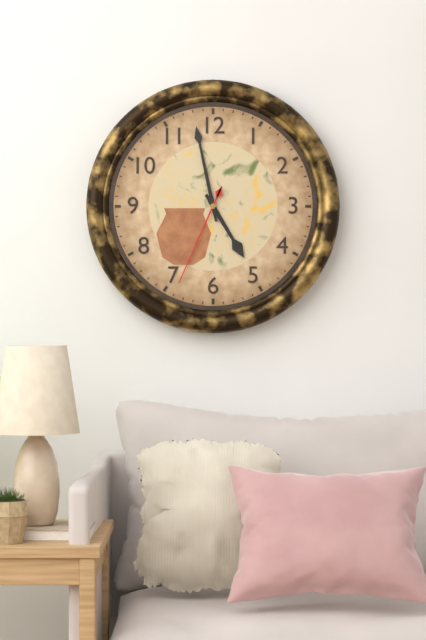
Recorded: 4.58.34
